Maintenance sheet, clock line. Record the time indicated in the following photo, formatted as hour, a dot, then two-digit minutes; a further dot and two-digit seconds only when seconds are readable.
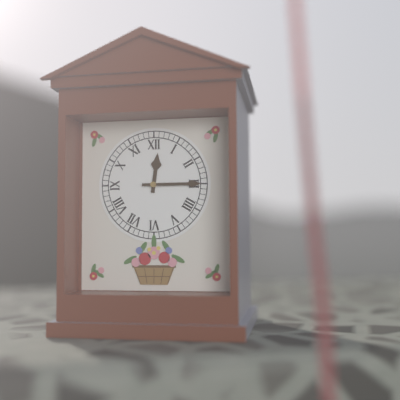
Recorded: 12.15
